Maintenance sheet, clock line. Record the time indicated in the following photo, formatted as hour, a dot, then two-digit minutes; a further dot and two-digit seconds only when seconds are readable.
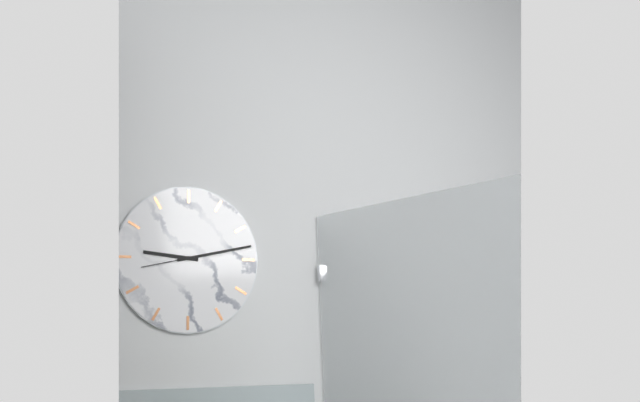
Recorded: 9.13.43
